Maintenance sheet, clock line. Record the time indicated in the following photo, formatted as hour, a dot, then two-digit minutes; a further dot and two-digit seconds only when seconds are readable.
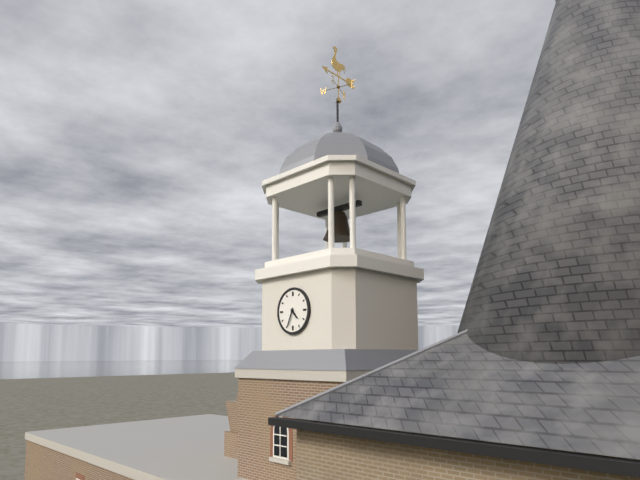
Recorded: 4.34
